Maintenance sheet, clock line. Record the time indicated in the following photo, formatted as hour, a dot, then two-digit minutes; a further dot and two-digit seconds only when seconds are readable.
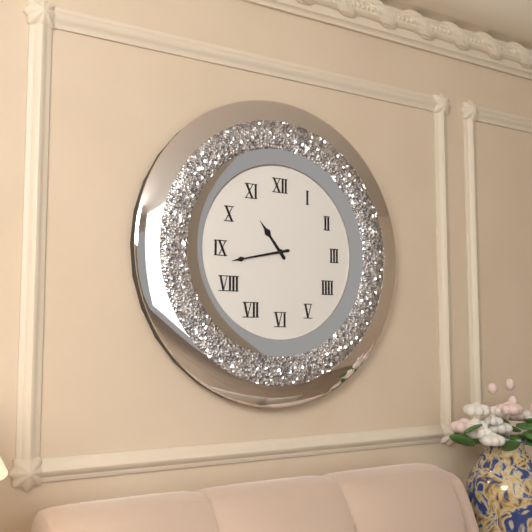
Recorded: 10.43
